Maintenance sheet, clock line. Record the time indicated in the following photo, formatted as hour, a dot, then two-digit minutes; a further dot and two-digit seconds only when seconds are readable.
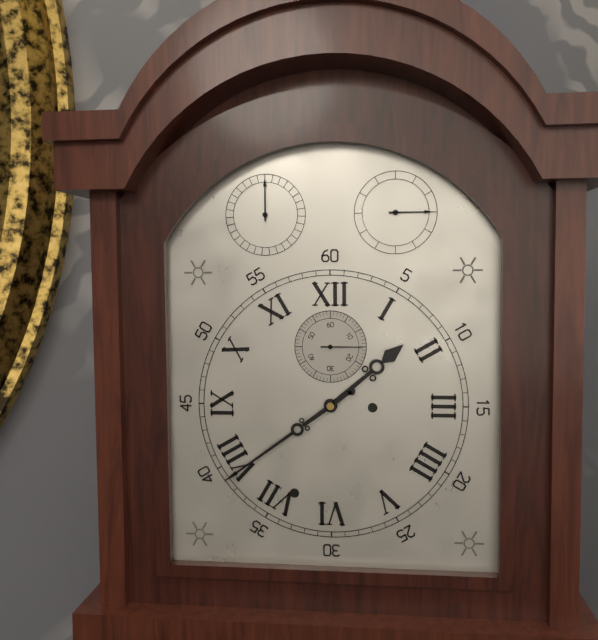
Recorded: 1.39
